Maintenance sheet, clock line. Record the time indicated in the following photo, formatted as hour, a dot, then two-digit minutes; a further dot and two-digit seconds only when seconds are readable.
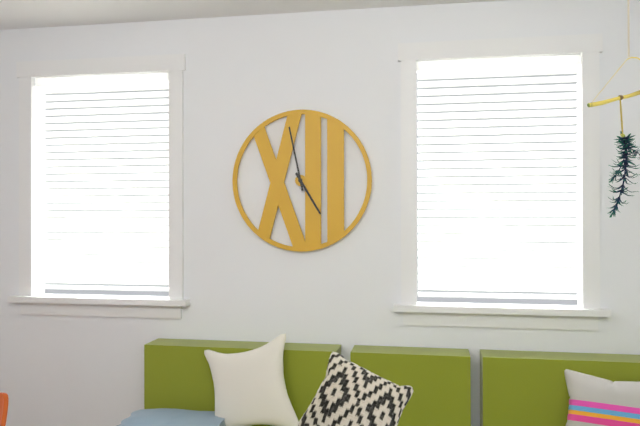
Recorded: 4.58
